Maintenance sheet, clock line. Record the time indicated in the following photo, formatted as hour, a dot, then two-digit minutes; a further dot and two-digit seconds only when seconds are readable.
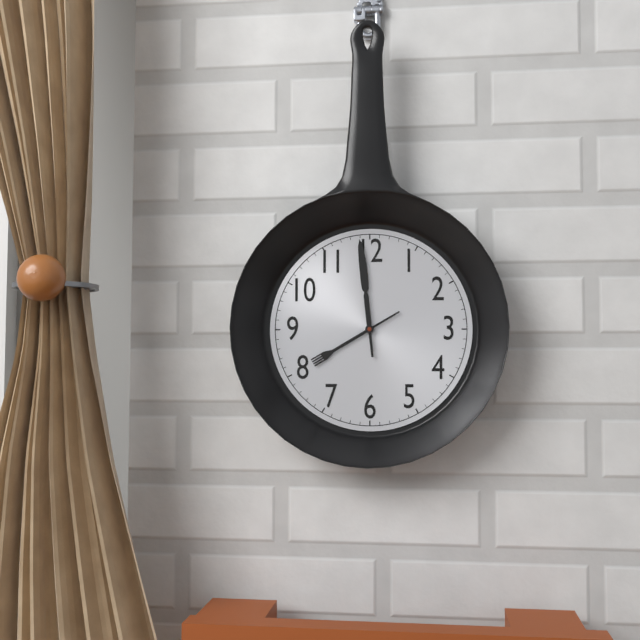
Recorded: 7.59
